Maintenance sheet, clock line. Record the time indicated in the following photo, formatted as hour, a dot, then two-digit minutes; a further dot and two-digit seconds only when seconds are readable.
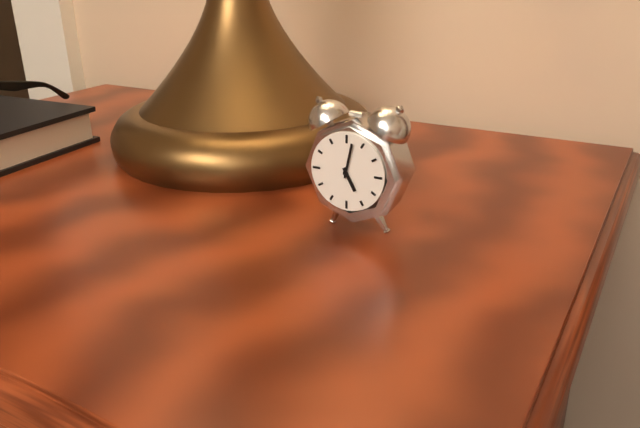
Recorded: 5.02
